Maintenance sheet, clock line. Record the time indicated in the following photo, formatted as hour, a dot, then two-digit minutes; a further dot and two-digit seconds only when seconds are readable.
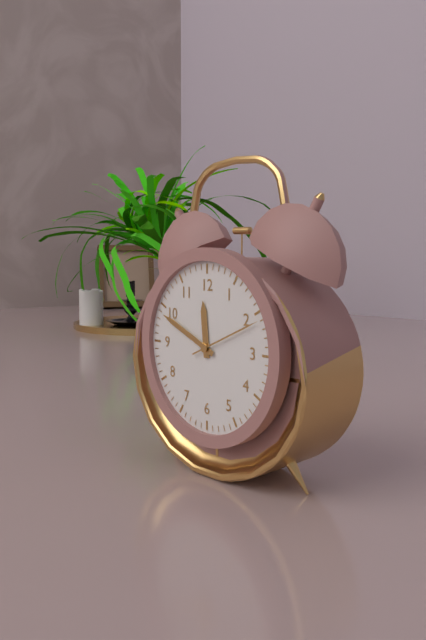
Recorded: 11.49.11
